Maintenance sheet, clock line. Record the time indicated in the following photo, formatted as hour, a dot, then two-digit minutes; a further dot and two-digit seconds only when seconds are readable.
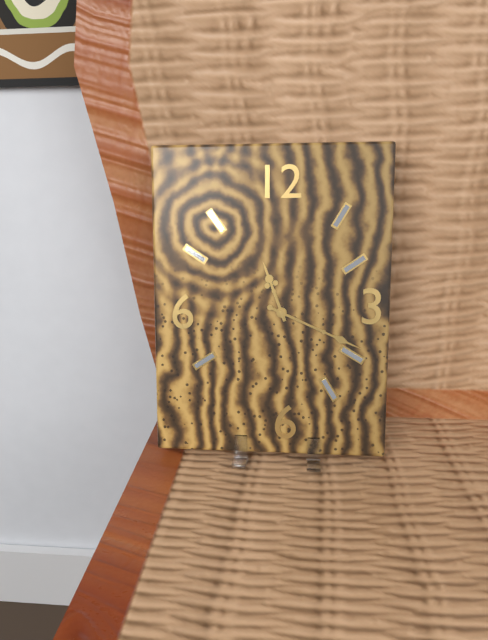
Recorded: 11.19
